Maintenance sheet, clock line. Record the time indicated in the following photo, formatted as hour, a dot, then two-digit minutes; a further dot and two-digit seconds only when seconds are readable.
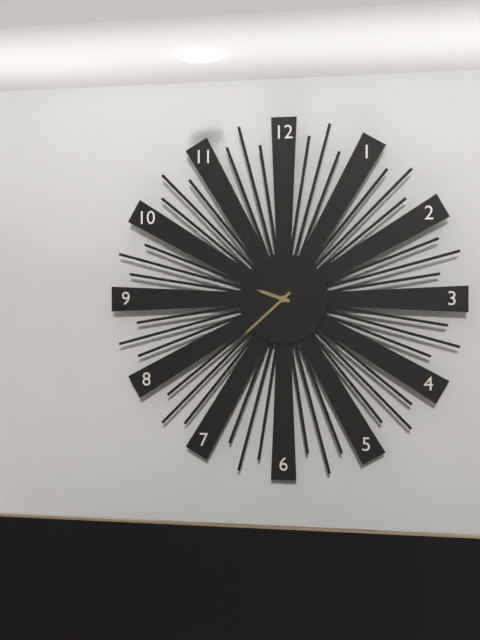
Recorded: 9.38
